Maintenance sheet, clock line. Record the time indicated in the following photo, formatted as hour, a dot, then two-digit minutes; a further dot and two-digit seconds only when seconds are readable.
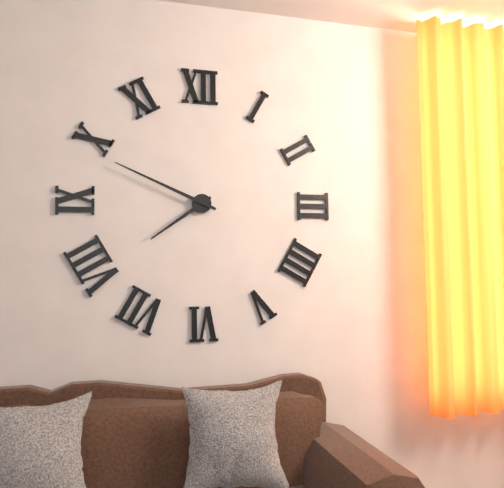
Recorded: 7.49
